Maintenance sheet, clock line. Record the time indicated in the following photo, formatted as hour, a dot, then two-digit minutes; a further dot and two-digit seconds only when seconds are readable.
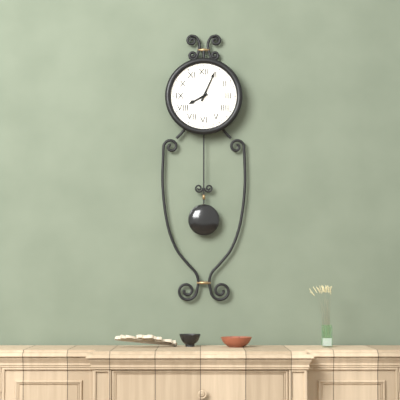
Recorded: 8.04
